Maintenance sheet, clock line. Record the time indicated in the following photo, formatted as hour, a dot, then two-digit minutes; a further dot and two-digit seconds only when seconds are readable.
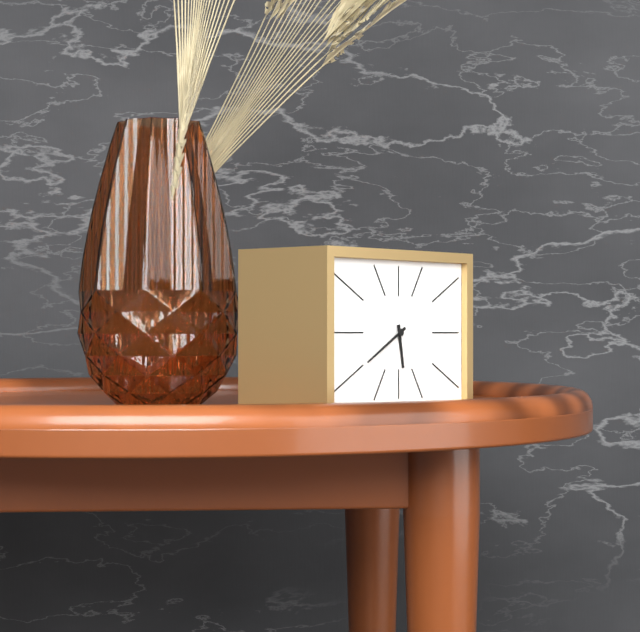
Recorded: 5.40
